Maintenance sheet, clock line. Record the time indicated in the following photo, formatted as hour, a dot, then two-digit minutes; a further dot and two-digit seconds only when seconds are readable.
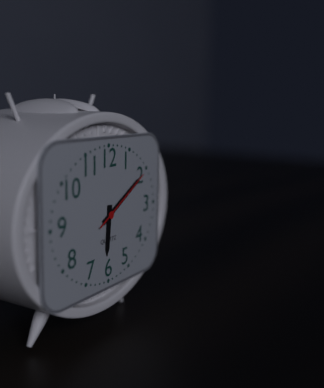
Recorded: 6.10.10
